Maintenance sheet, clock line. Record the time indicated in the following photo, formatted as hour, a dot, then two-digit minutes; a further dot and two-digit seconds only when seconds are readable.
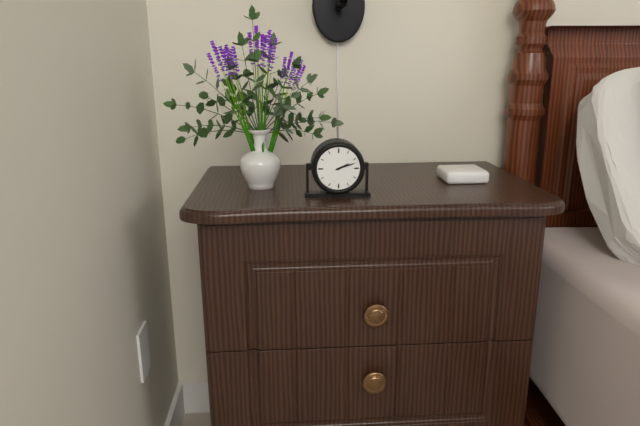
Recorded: 2.12
